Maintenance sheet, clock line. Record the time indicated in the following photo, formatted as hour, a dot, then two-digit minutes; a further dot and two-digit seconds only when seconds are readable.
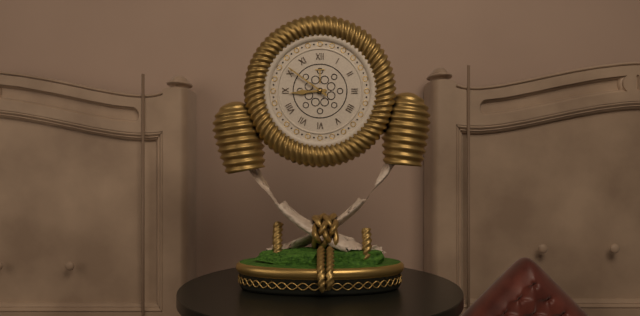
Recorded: 8.51
